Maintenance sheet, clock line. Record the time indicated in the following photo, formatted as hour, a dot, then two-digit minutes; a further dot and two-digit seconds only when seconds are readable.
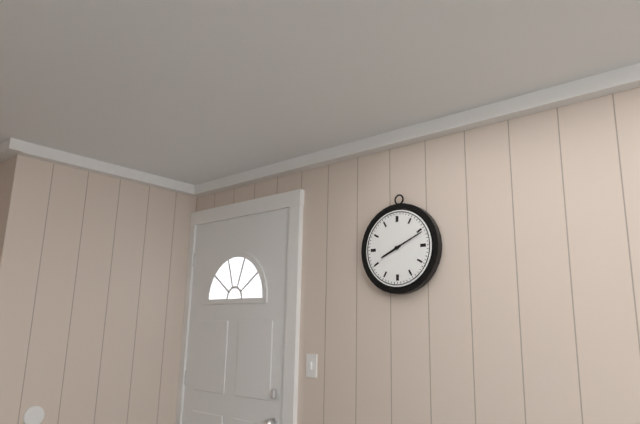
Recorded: 8.11
